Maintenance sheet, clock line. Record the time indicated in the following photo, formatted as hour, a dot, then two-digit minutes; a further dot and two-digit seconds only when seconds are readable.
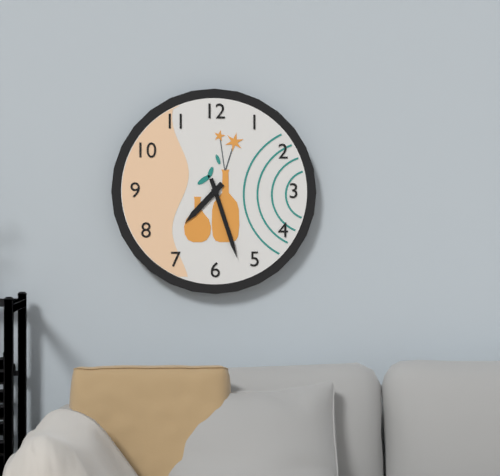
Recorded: 7.27
